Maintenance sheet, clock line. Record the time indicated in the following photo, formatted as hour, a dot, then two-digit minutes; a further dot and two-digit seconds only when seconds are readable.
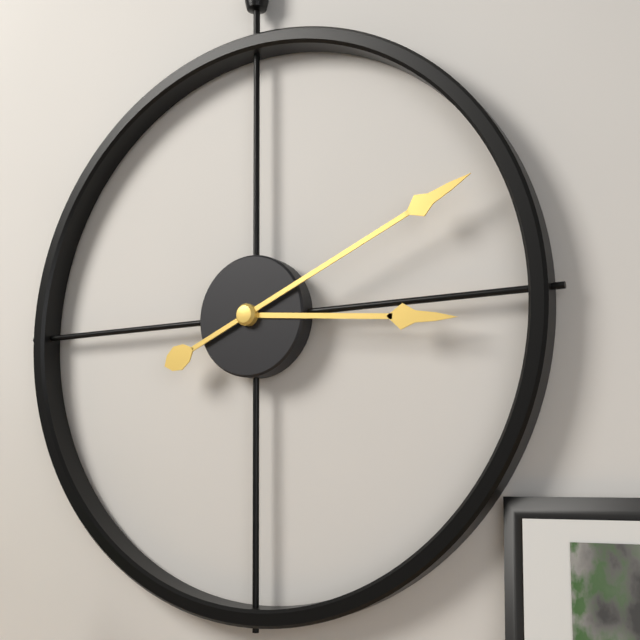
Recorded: 3.11
